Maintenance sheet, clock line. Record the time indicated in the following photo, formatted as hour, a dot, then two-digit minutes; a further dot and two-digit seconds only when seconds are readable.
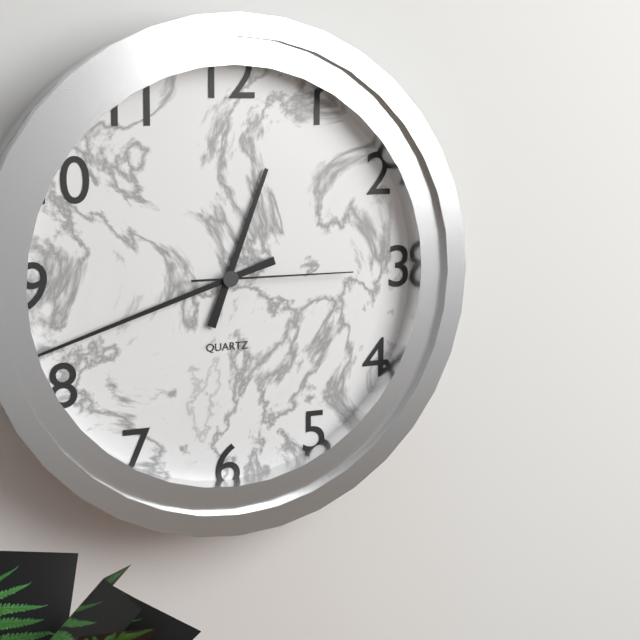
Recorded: 12.42.15
